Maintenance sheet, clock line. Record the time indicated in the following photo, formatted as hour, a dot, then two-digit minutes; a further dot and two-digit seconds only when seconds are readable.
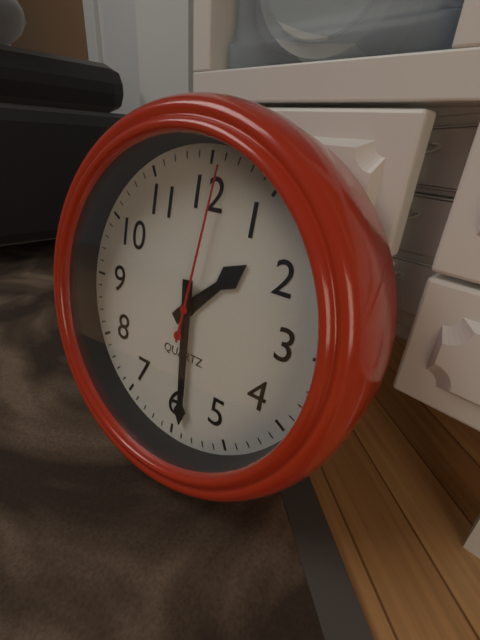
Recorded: 1.29.01
